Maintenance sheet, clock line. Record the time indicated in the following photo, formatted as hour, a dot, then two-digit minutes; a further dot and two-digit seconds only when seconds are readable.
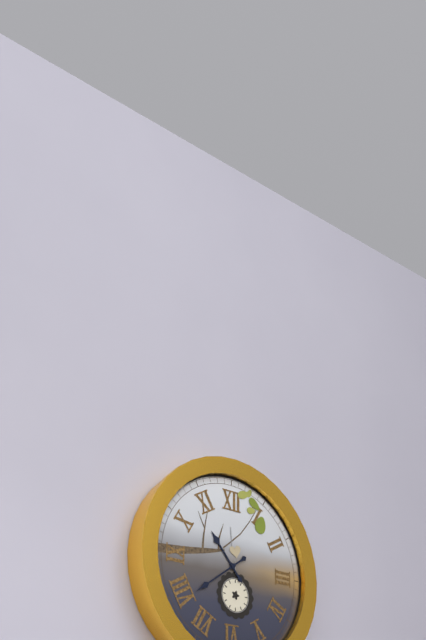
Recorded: 10.39
